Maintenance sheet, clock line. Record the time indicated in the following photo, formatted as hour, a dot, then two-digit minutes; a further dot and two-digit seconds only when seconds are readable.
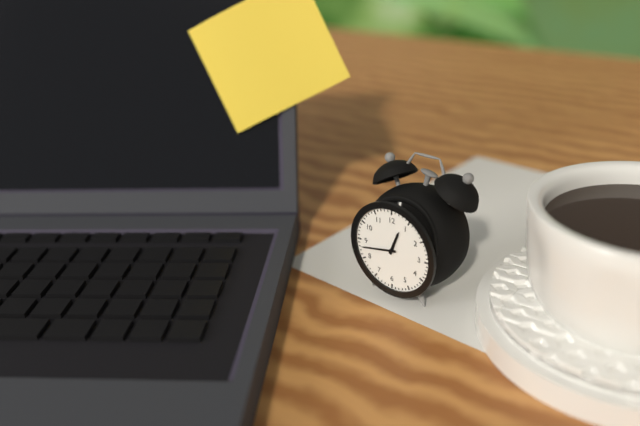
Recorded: 12.43
